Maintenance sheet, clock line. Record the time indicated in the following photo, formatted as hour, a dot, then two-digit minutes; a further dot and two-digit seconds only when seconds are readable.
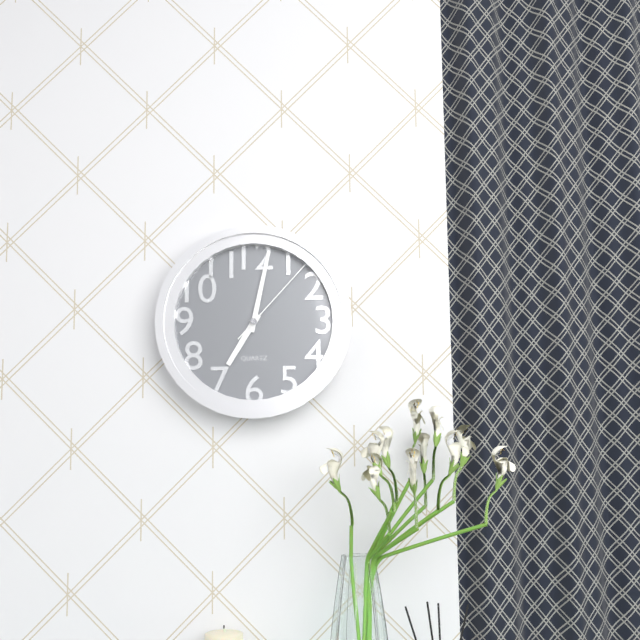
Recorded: 7.02.07
